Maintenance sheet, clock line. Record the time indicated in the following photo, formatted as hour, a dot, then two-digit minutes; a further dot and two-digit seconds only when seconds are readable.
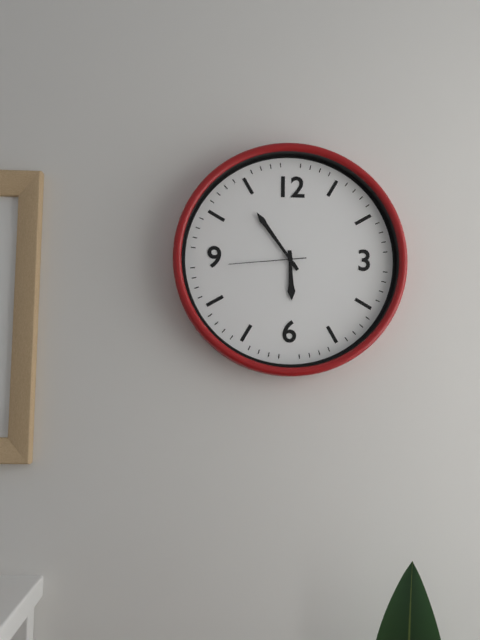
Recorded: 5.54.44
